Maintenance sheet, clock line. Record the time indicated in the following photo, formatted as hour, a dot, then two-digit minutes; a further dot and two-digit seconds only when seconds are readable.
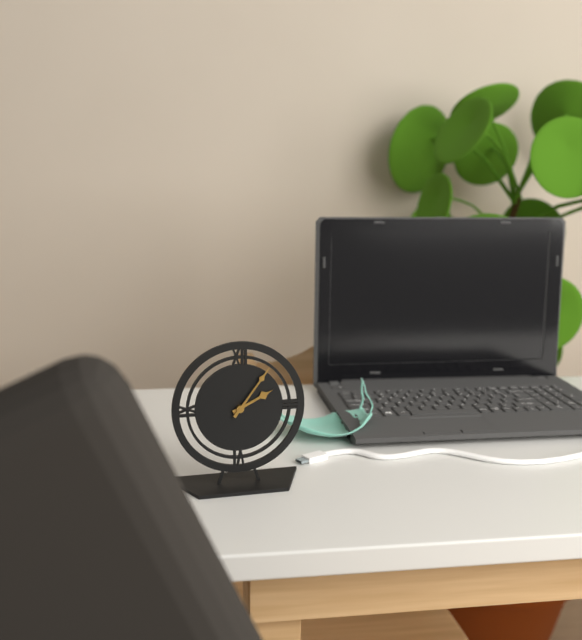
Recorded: 2.06
